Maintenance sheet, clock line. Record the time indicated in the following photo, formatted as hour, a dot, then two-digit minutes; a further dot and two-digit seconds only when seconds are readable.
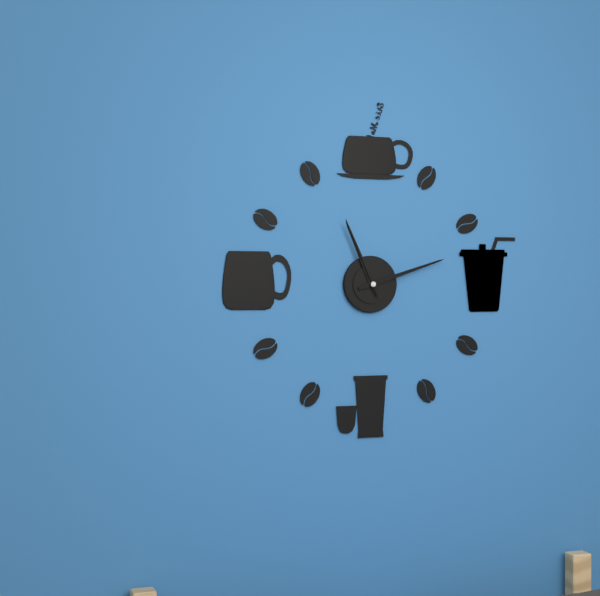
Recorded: 11.12.56
